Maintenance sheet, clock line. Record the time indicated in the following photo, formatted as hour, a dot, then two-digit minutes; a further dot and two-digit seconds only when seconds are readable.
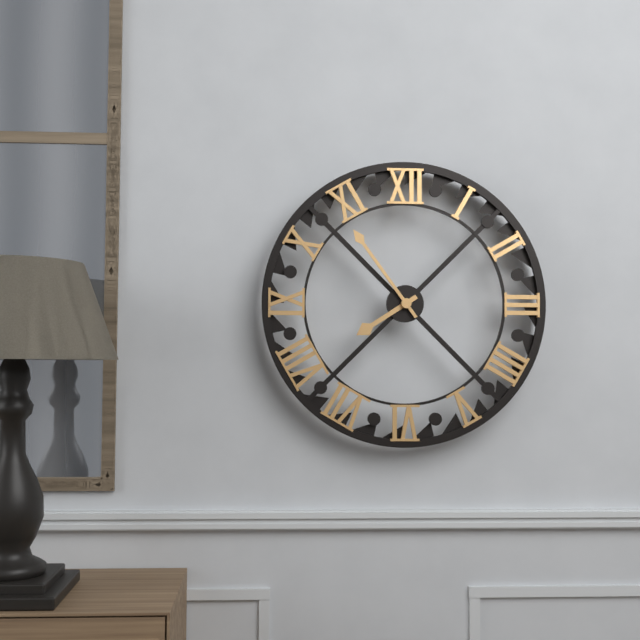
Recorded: 7.54
